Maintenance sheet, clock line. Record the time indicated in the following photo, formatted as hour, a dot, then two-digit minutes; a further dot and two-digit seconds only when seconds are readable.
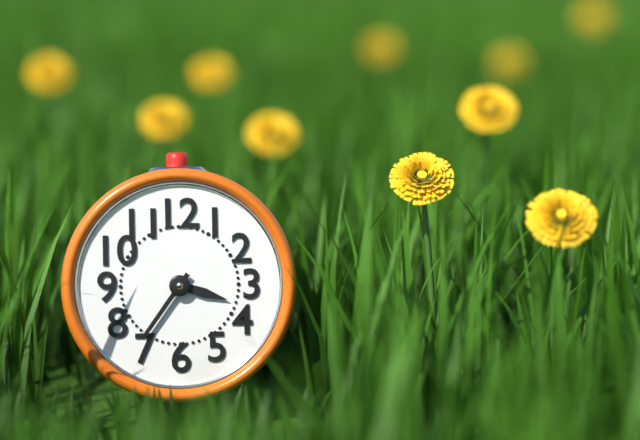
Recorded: 3.36
